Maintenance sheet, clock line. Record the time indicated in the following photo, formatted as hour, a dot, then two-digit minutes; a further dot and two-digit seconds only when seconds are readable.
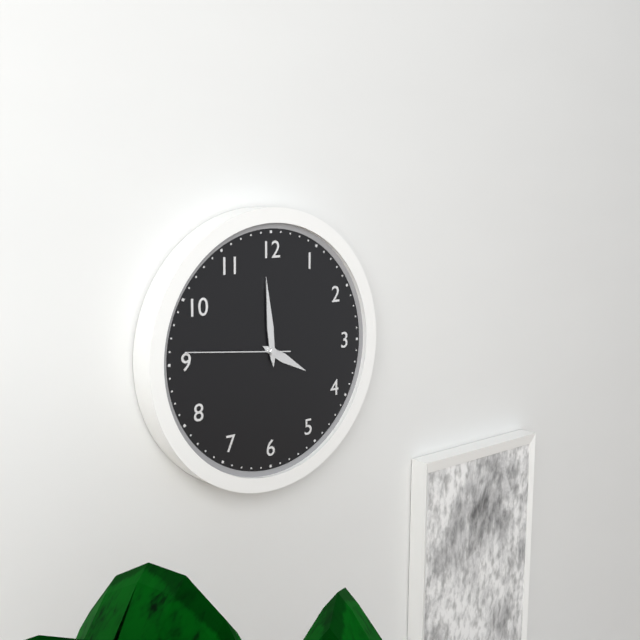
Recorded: 3.59.46
